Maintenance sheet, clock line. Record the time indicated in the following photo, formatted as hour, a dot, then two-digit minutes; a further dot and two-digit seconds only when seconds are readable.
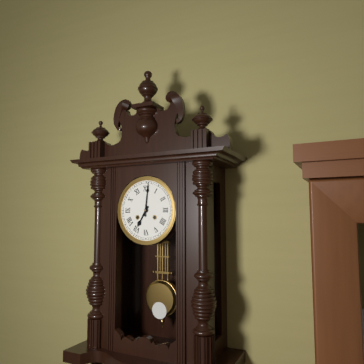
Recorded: 7.01
